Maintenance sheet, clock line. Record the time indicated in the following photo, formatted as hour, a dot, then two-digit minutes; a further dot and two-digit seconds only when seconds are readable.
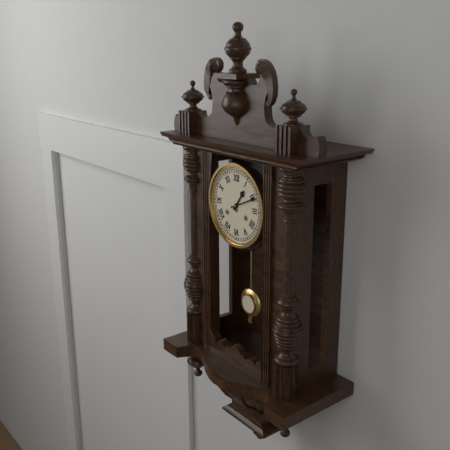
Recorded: 1.11
